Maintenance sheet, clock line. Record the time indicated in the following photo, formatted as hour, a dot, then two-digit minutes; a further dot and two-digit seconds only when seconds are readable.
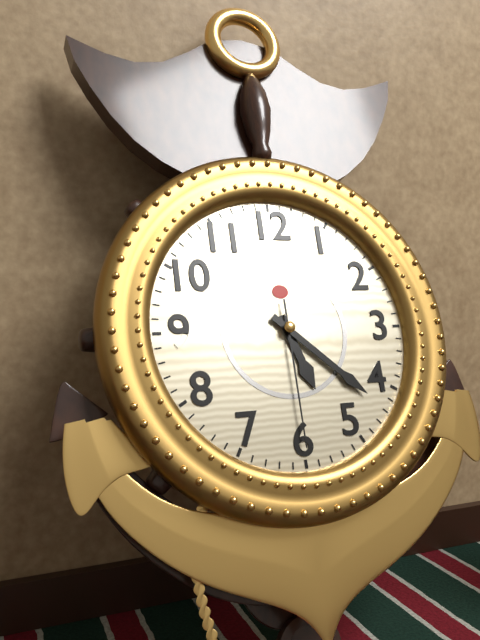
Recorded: 5.22.30
